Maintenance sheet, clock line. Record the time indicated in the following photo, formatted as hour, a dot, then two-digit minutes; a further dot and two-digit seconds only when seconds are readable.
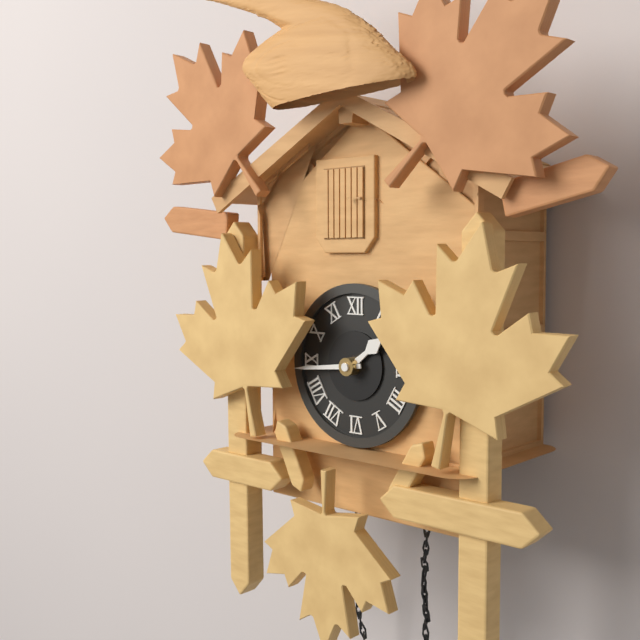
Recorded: 1.44
